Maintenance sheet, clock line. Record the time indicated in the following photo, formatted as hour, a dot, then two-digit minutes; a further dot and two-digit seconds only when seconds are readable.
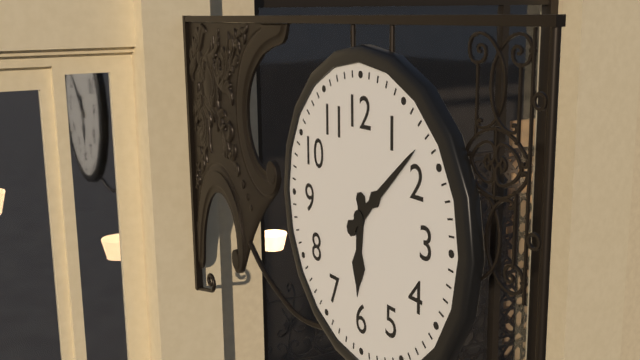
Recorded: 6.08
